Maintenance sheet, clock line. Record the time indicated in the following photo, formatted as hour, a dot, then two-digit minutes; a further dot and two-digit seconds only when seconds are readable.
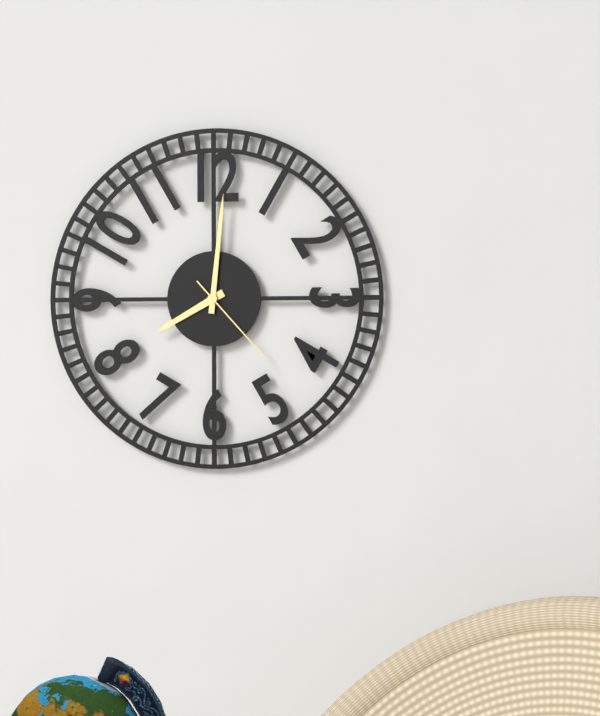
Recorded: 8.01.23
